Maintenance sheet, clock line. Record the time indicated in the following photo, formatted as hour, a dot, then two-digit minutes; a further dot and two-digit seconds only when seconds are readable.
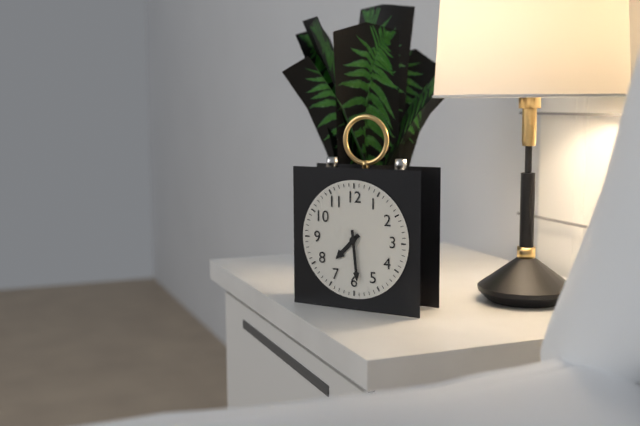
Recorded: 7.29
